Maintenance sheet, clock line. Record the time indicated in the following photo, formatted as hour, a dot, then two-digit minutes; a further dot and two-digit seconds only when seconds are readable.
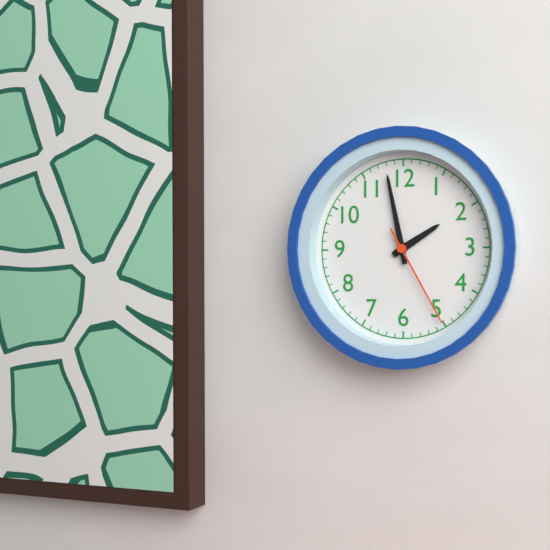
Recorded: 1.58.25
